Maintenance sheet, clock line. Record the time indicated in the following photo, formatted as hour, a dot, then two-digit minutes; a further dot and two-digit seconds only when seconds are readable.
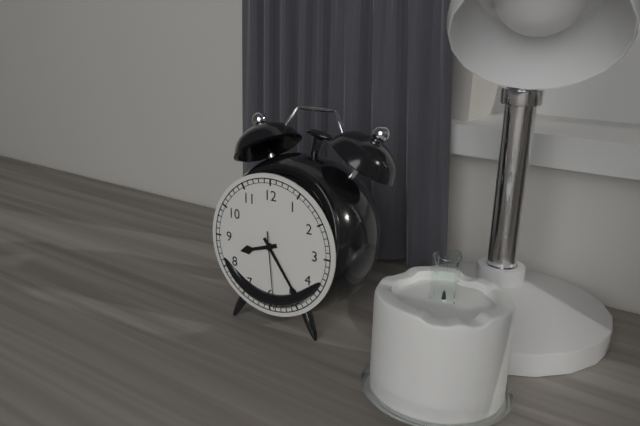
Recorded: 8.24.29
